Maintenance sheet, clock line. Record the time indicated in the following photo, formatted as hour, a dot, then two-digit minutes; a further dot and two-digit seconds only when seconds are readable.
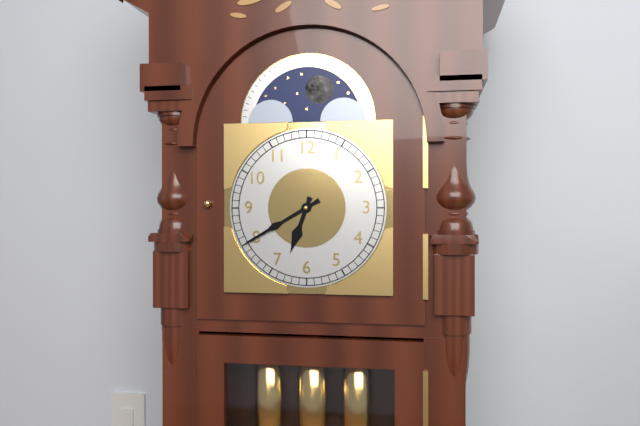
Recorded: 6.40
